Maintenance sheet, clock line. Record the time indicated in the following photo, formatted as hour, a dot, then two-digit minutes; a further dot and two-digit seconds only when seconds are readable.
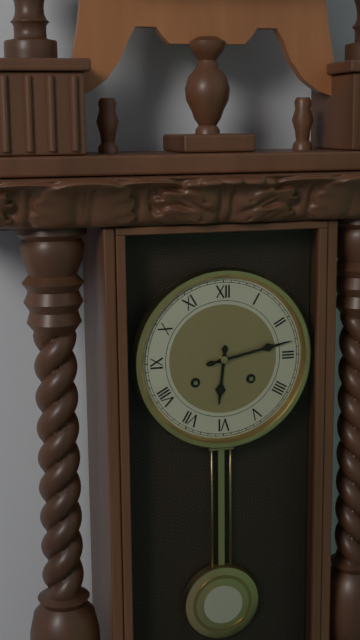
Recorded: 6.13
